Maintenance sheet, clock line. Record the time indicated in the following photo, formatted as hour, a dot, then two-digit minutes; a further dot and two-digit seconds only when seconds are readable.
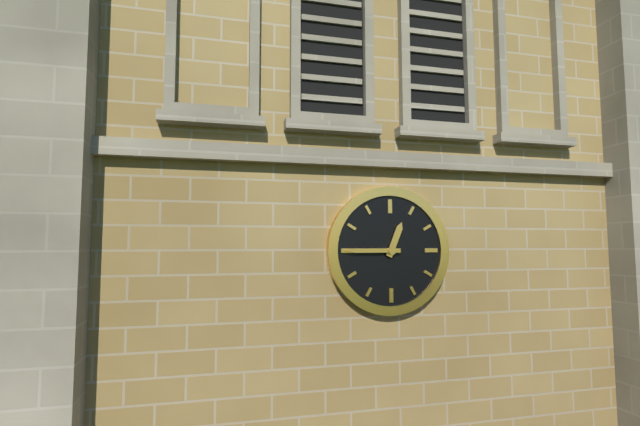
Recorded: 12.45
